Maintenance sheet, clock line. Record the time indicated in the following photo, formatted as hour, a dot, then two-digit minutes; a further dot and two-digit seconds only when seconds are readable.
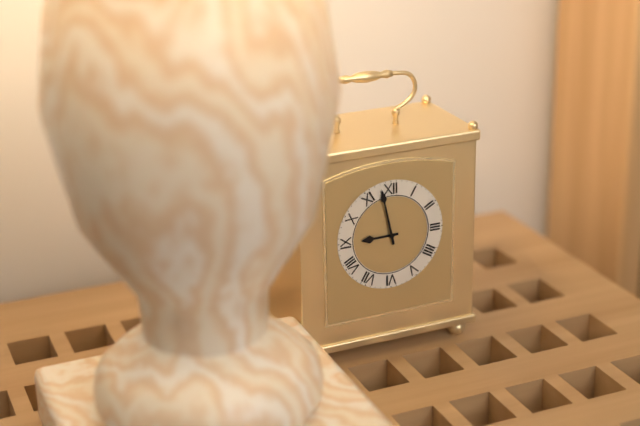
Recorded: 8.58
